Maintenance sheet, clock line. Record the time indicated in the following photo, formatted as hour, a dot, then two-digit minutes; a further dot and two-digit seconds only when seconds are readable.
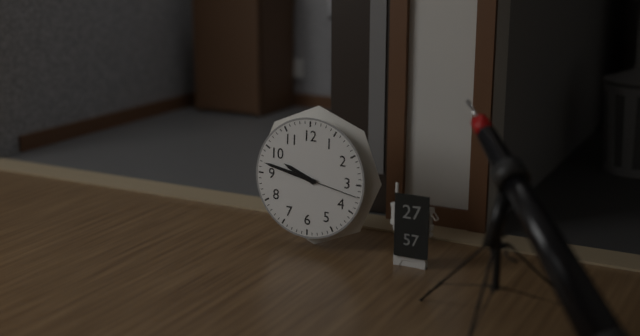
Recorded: 9.47.17
